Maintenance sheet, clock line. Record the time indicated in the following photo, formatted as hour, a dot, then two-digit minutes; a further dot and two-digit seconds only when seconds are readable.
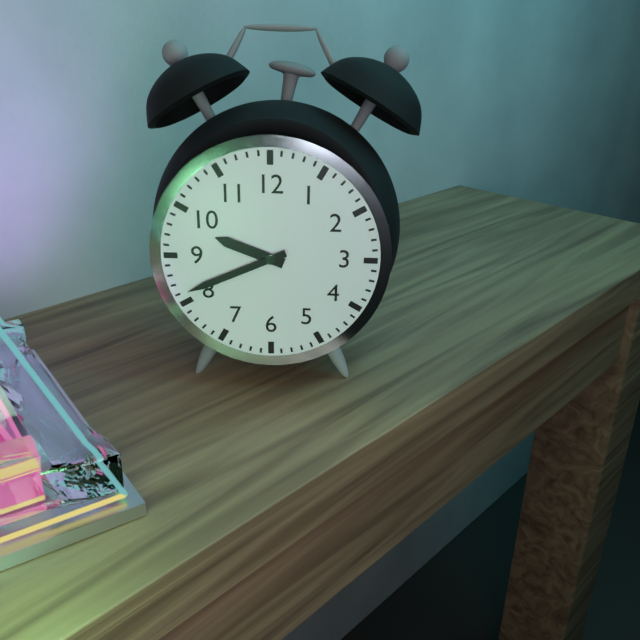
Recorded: 9.41
